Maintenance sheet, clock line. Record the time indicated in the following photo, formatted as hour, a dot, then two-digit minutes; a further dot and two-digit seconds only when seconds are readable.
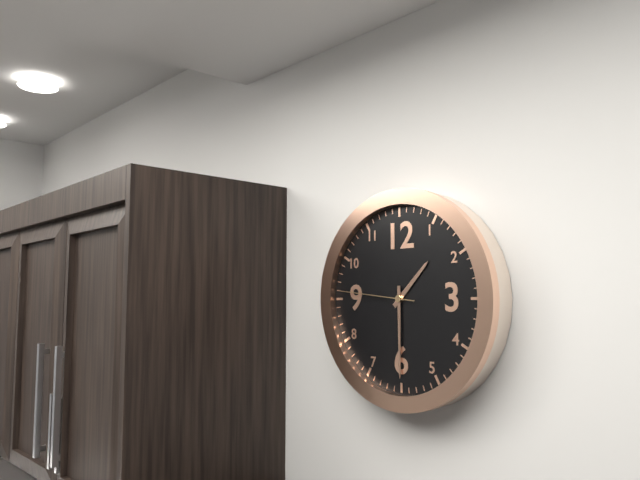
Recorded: 1.30.46
